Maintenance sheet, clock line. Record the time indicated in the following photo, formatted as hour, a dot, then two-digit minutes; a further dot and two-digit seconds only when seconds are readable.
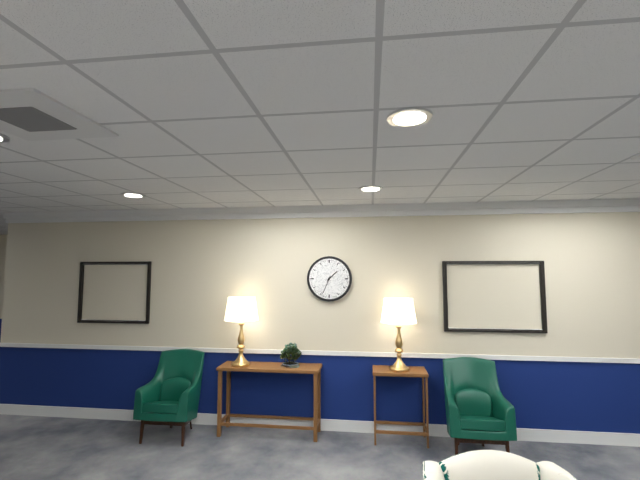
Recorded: 1.34
